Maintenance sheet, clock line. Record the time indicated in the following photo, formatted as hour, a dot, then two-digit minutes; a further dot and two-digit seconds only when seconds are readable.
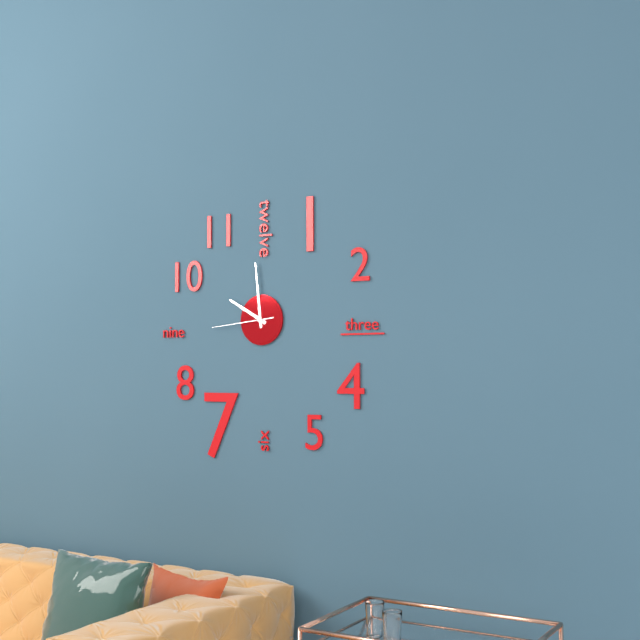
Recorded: 9.59.44
